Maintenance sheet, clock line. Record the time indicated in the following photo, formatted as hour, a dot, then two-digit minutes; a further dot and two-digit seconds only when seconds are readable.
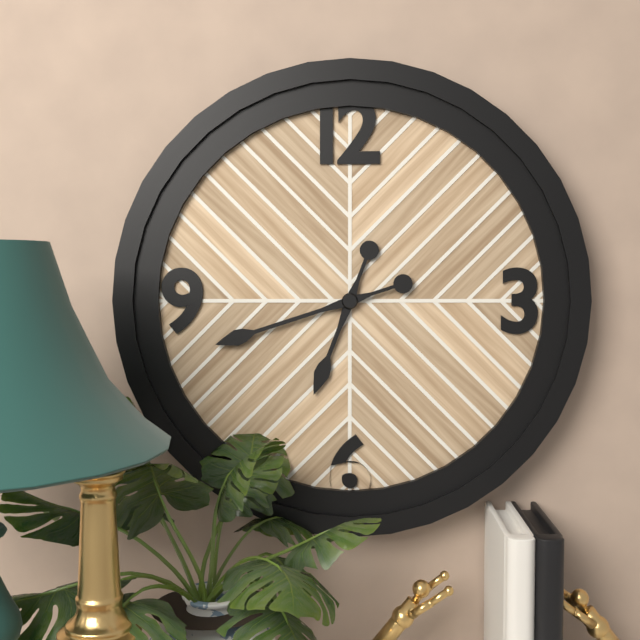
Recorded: 6.42
